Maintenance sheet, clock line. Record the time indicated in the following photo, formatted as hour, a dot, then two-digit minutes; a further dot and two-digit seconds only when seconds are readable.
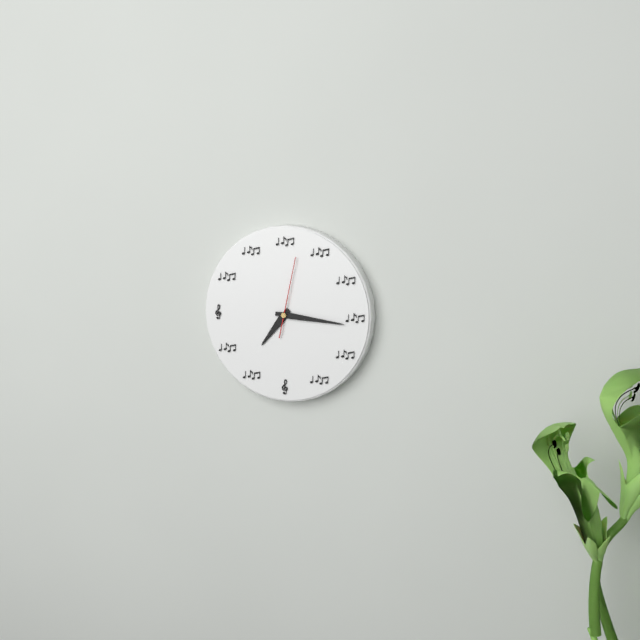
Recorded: 7.16.02
